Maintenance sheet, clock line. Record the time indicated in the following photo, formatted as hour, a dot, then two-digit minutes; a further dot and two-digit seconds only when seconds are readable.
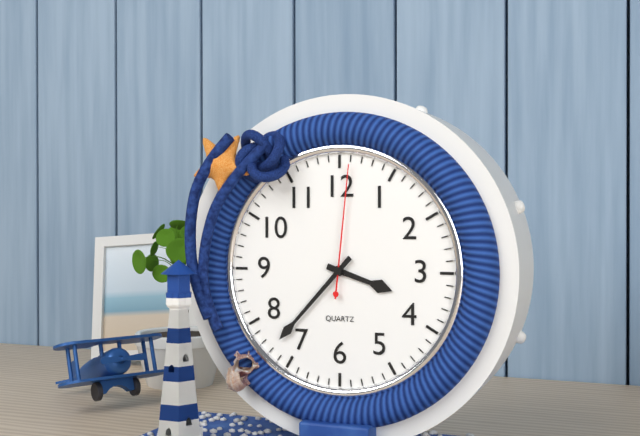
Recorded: 3.37.01
